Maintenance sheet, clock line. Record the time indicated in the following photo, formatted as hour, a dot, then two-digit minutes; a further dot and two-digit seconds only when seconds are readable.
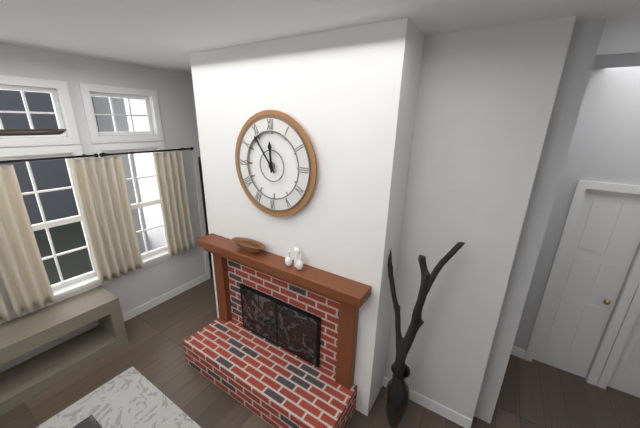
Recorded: 11.54
